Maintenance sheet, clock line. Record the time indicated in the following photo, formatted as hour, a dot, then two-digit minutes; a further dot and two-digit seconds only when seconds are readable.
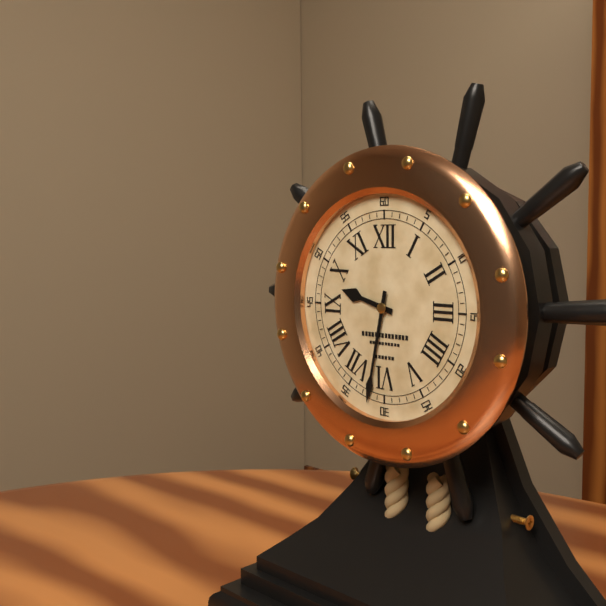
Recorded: 9.32
